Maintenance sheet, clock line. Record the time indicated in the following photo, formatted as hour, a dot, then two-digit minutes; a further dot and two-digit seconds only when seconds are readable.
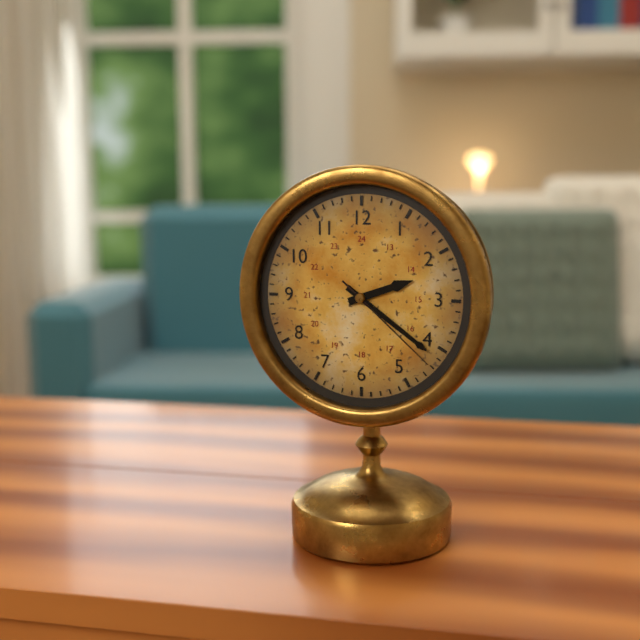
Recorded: 2.21.22
